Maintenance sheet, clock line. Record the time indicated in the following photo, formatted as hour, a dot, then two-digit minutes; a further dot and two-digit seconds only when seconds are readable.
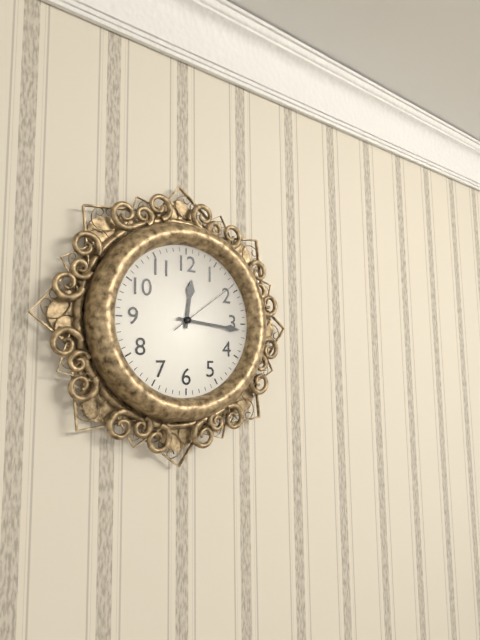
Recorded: 12.16.09
